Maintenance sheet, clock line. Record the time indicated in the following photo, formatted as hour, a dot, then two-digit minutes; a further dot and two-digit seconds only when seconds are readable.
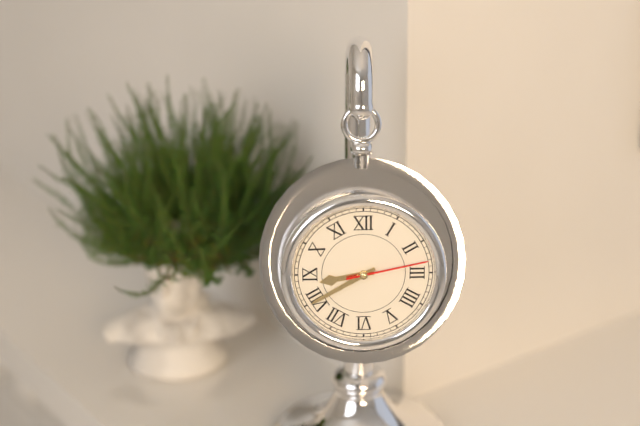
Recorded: 8.40.13
